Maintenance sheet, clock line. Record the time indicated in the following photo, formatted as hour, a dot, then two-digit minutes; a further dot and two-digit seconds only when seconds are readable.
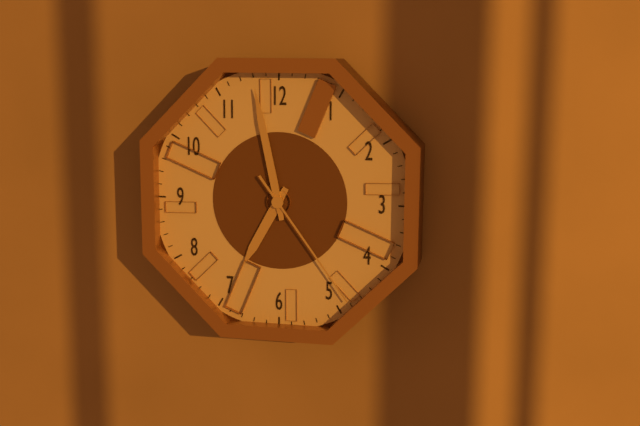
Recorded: 6.58.24
